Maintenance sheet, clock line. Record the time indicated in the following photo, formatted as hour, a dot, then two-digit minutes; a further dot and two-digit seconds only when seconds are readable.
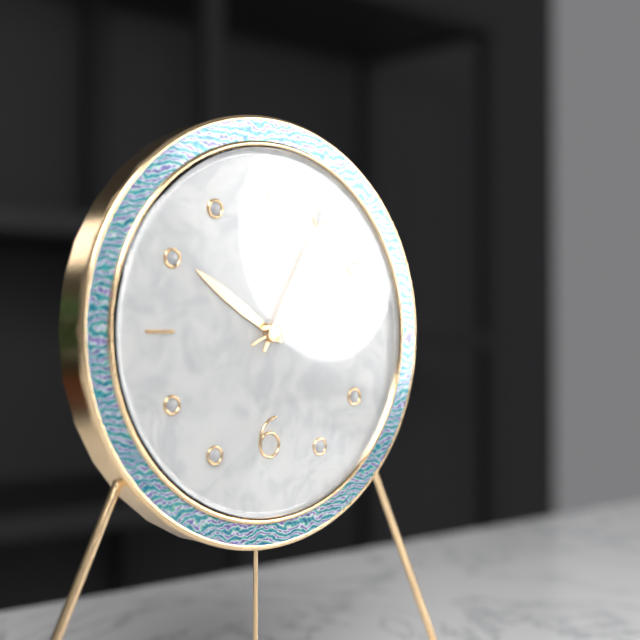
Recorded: 10.05.11
